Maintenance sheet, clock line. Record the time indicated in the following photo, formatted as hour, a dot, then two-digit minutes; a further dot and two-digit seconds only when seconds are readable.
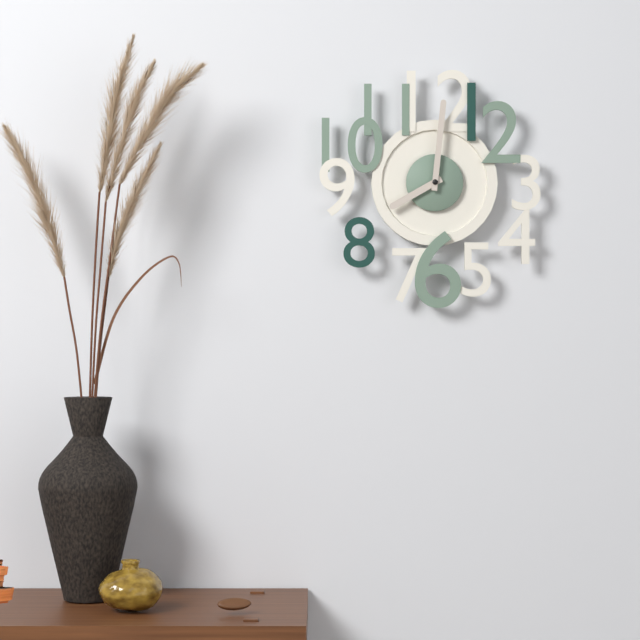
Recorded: 8.01
